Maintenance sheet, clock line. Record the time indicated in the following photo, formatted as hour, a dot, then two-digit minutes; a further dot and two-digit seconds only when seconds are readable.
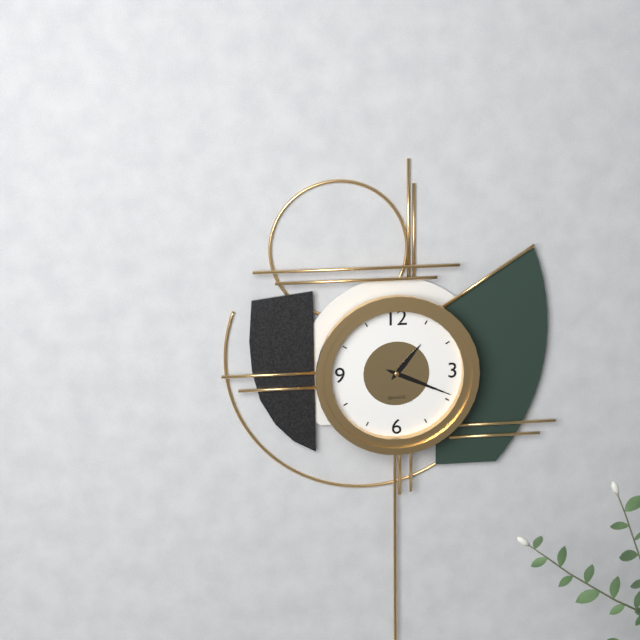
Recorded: 1.19
